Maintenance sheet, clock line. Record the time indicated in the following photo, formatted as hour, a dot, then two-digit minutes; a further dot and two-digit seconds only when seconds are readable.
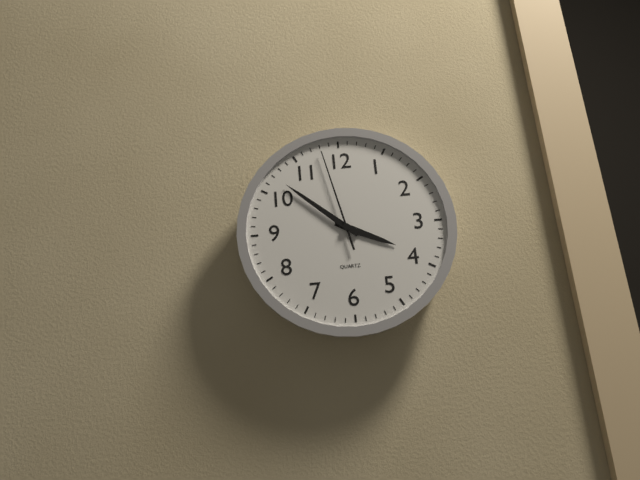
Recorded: 3.52.58
